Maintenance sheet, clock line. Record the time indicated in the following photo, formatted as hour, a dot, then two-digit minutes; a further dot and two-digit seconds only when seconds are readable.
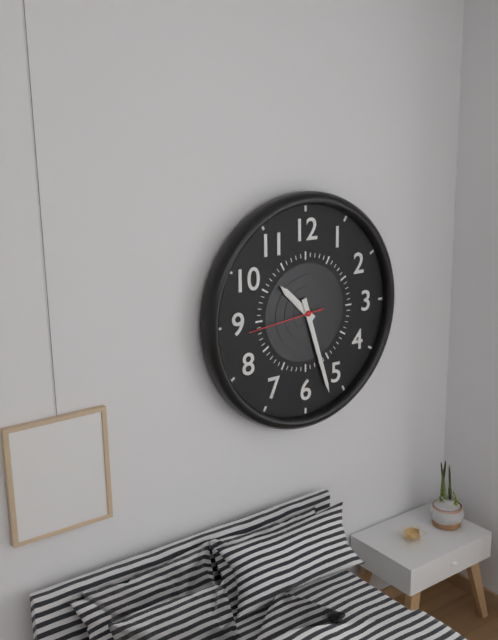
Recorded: 10.27.44
